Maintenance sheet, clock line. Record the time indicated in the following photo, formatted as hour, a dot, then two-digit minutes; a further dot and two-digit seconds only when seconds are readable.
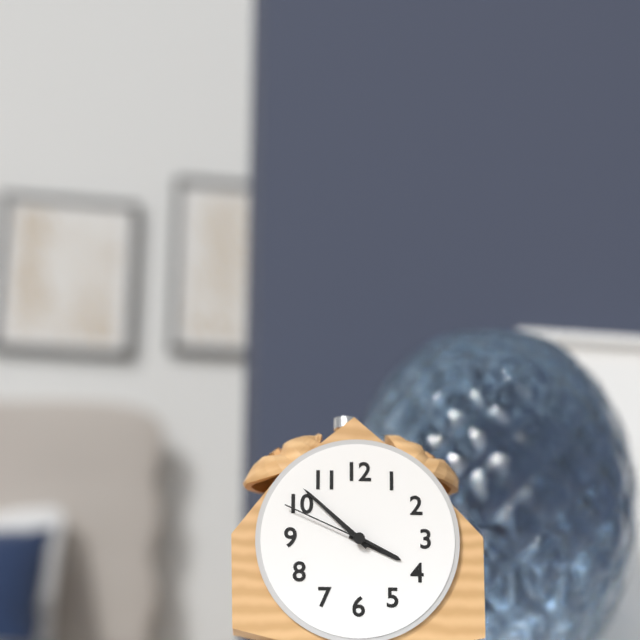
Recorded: 3.52.49
